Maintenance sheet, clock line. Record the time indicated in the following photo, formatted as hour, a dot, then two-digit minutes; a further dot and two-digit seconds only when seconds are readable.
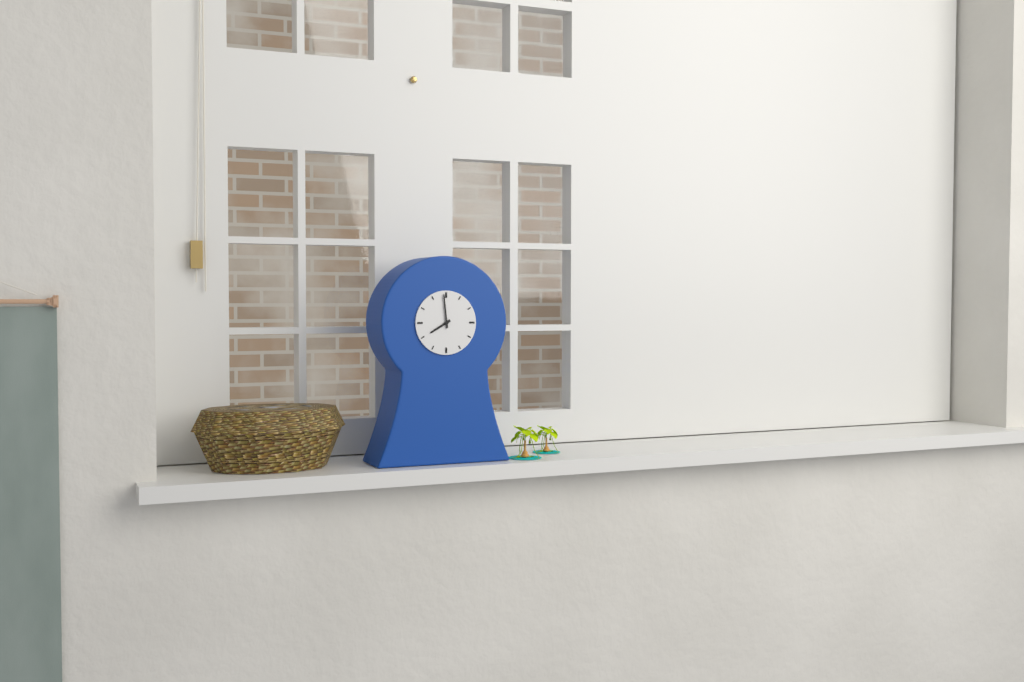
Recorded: 7.59
